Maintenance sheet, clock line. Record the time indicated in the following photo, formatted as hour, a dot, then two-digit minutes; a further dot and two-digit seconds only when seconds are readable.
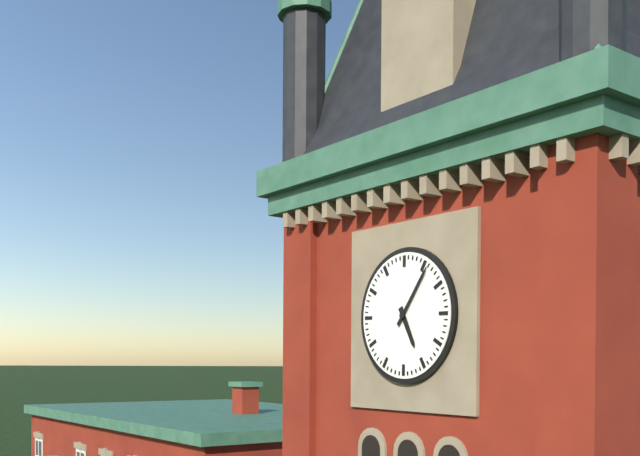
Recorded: 5.06
